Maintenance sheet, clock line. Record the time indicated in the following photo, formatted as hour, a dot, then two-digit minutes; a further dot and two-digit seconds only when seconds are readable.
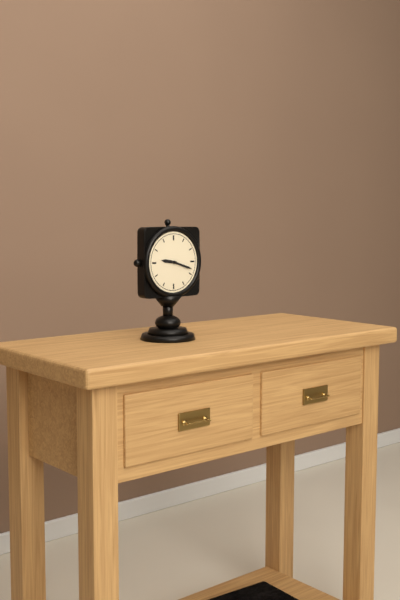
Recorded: 9.18
